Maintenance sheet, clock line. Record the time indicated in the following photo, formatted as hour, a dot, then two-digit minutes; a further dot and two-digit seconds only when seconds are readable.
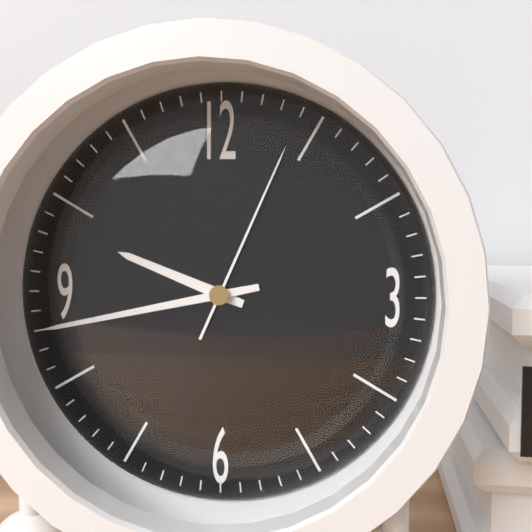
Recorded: 9.43.04
